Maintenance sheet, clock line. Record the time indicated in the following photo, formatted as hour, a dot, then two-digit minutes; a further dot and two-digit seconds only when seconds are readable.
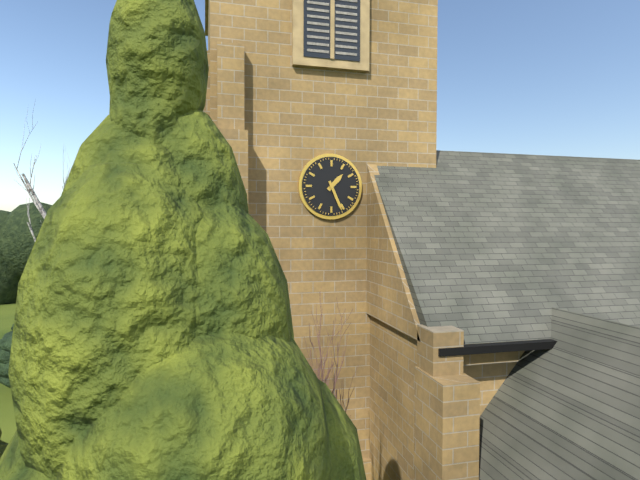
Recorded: 1.26
